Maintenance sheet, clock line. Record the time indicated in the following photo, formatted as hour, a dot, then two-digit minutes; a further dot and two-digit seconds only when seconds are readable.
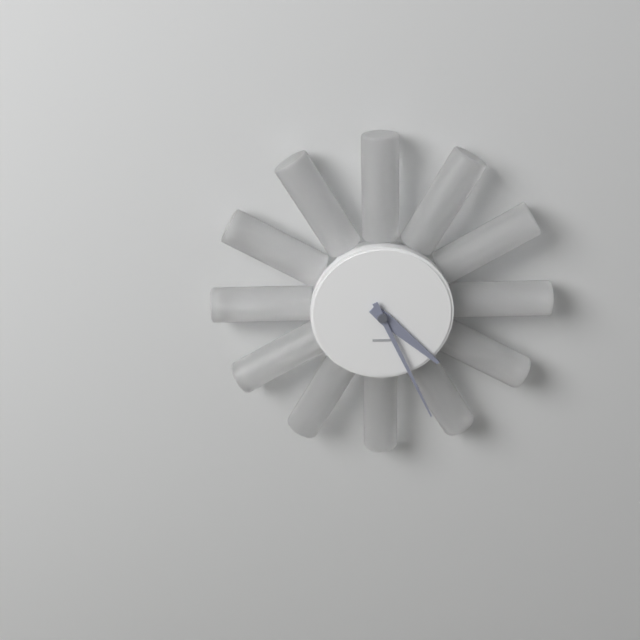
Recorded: 4.26
